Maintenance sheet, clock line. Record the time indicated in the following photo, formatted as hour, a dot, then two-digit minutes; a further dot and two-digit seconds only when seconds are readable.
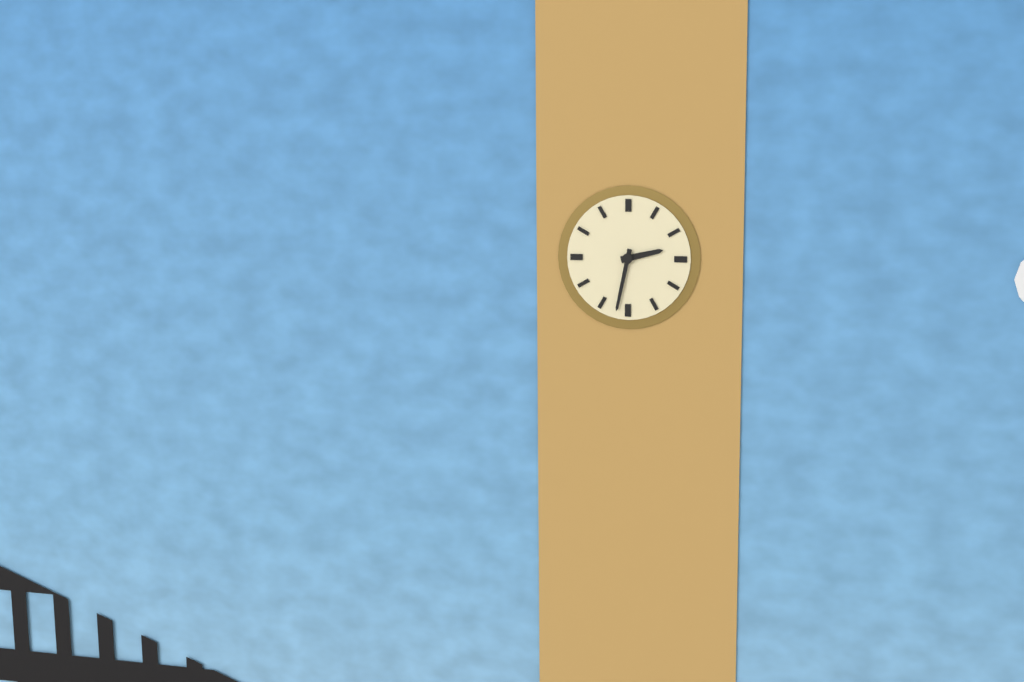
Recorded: 2.32
